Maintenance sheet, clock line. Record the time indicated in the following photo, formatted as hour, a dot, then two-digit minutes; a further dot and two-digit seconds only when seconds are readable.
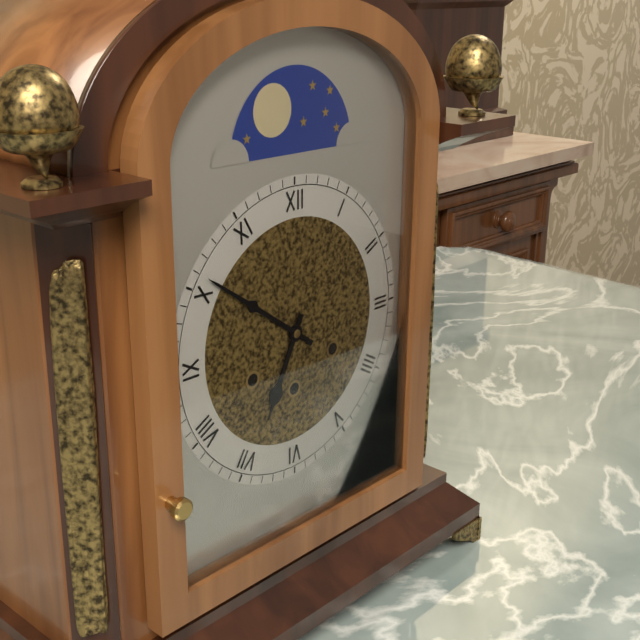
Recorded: 6.51
